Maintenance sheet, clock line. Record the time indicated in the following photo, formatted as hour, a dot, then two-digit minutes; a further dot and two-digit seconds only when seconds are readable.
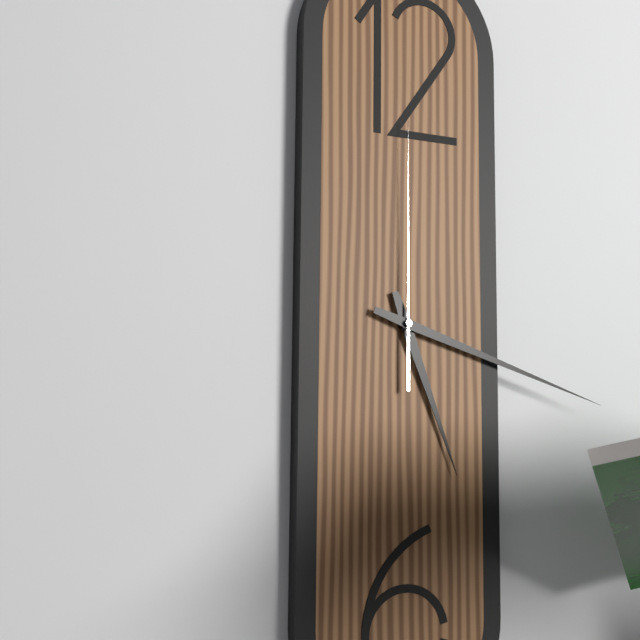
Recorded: 5.18.00
